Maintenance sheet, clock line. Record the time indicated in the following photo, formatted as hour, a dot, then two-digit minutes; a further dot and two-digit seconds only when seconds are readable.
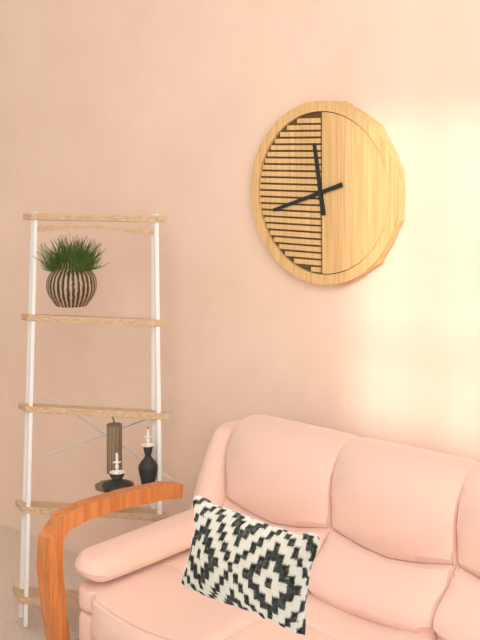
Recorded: 11.42
